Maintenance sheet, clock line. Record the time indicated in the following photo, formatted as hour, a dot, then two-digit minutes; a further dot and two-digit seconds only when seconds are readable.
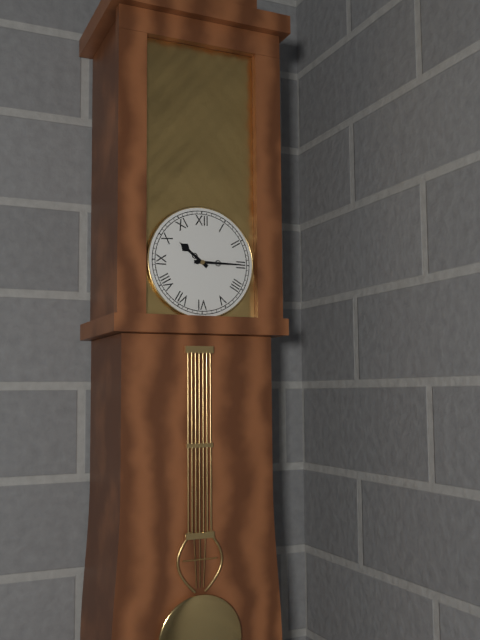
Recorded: 10.15
